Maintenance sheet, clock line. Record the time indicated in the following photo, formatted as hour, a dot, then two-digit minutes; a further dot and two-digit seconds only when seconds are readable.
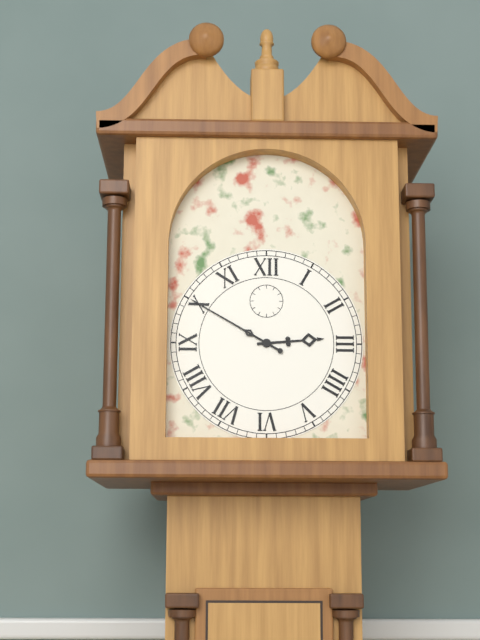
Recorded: 2.50
